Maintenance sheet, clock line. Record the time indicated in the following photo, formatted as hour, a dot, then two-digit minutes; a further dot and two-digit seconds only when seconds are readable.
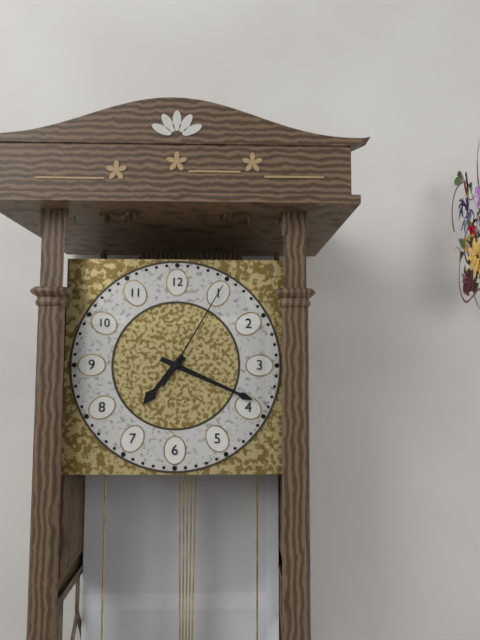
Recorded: 7.19.05
